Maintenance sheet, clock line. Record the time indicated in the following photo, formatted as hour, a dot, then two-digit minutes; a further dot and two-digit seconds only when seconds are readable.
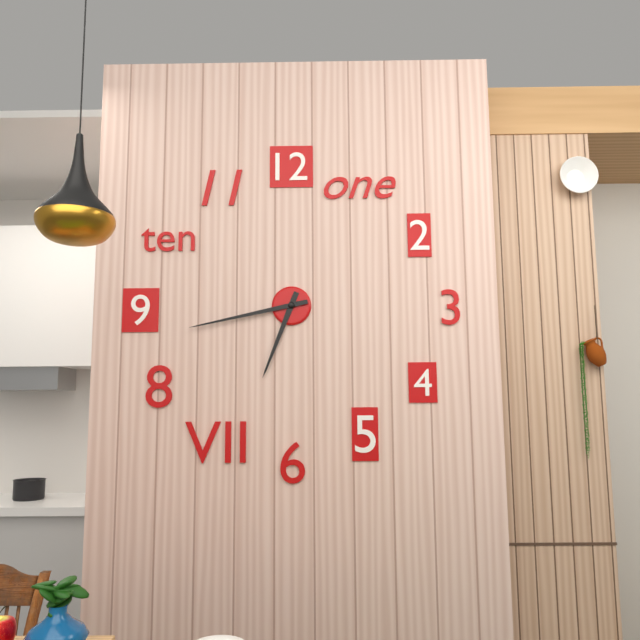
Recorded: 6.43
